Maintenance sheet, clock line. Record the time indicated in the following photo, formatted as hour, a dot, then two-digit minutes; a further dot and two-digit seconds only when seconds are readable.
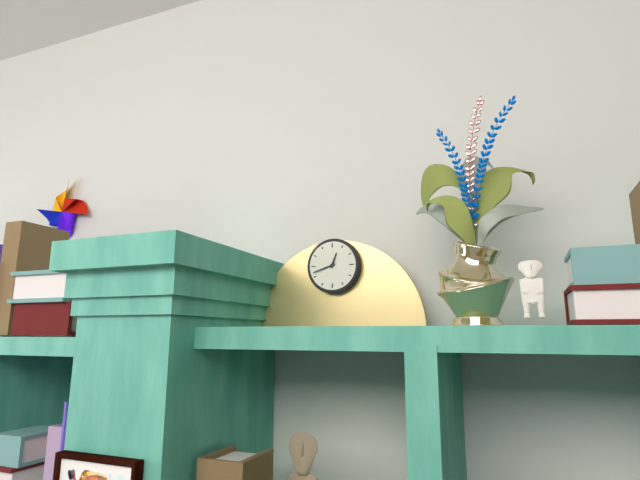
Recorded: 12.42
